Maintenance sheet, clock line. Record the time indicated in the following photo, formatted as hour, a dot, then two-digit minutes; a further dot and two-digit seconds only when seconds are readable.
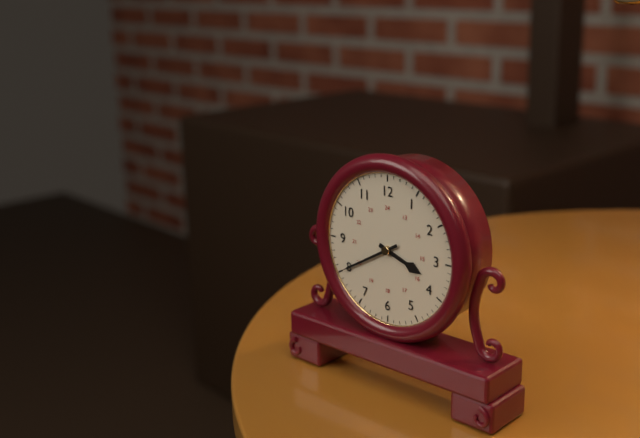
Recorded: 3.40
